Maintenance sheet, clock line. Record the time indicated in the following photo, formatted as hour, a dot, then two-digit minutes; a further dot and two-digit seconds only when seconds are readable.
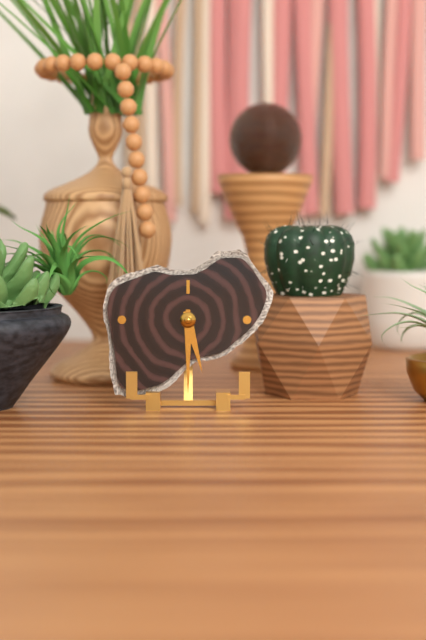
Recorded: 5.30
